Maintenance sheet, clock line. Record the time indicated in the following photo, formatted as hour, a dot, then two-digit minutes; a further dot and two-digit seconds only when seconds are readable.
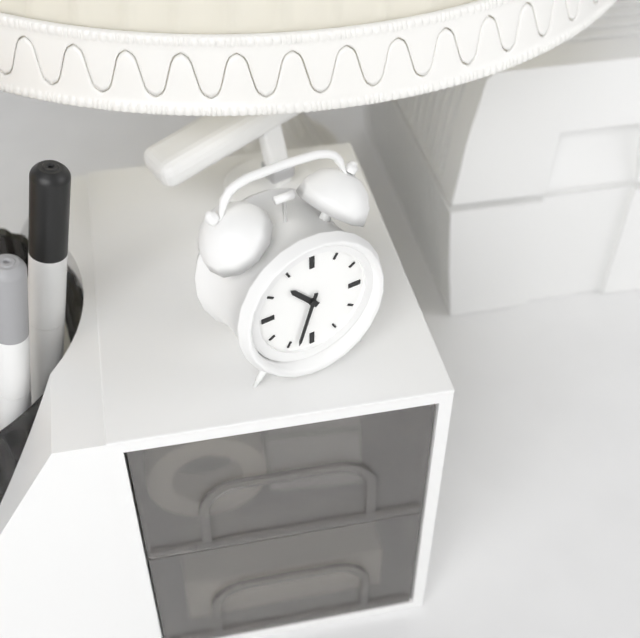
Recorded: 10.33
